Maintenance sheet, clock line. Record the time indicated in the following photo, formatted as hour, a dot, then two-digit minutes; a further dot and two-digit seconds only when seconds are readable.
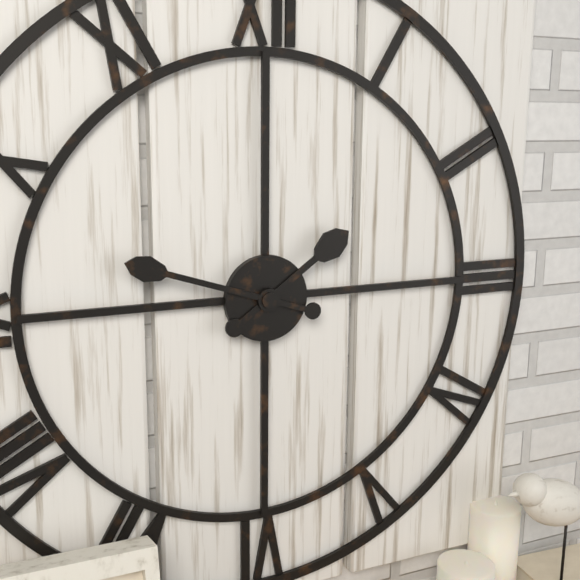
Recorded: 1.48
